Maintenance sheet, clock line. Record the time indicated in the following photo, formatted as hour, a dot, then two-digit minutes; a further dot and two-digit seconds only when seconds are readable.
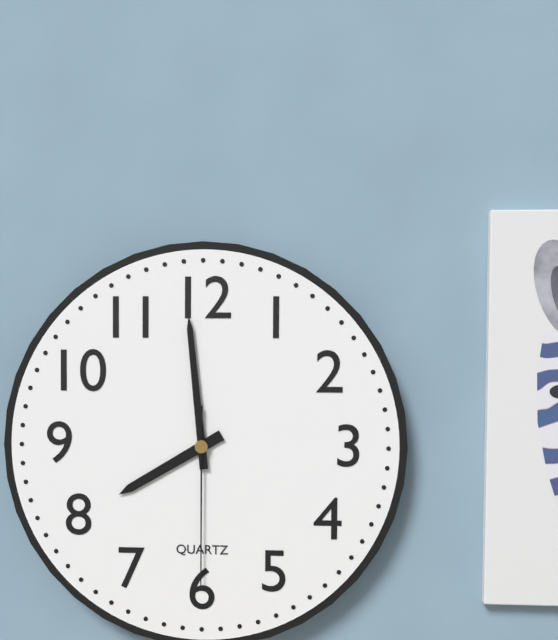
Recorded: 7.59.30
